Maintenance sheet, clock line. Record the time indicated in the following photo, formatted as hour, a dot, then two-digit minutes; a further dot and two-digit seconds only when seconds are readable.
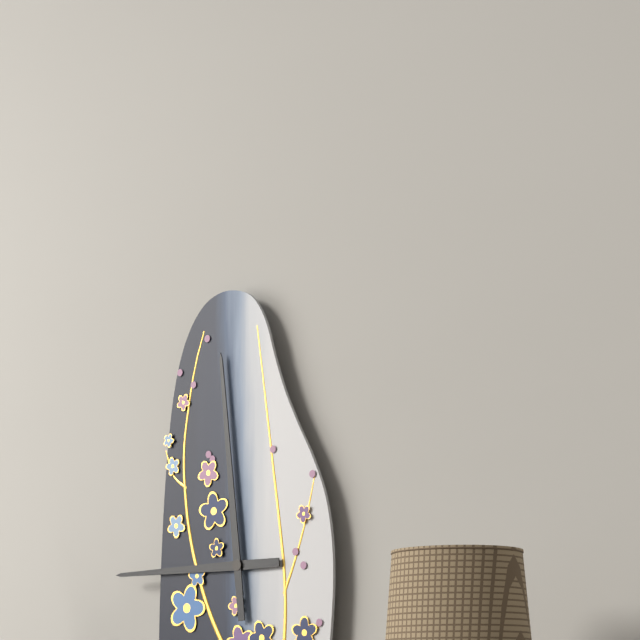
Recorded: 8.59
